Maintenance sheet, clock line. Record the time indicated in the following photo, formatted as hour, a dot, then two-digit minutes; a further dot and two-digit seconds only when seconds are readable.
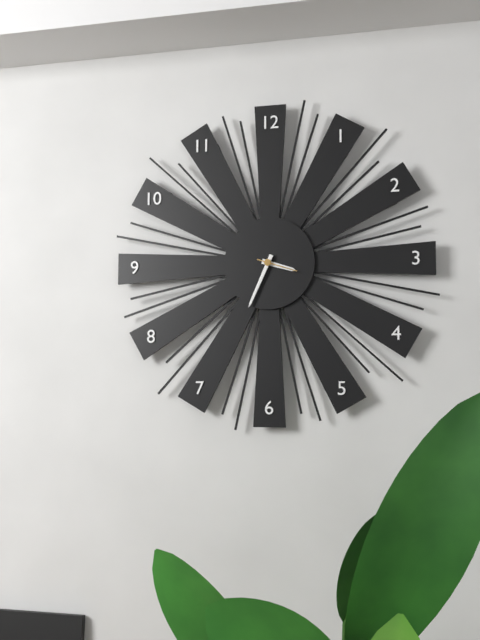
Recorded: 3.34
